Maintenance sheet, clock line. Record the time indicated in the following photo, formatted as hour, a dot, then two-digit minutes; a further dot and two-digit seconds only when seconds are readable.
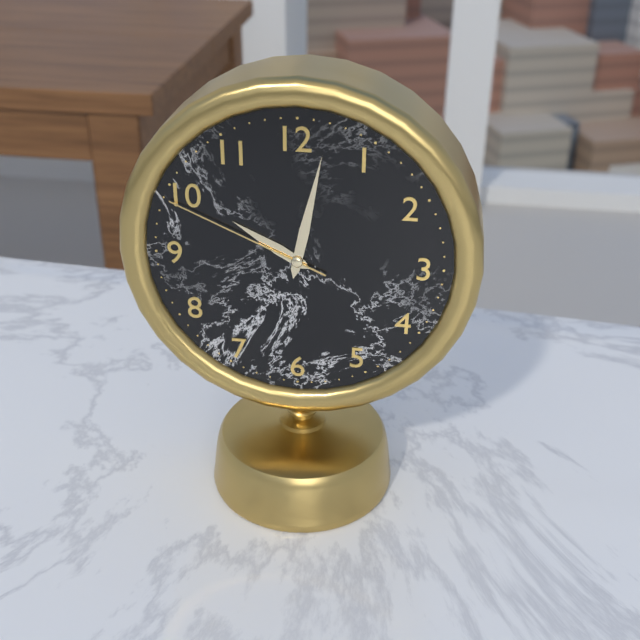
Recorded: 10.02.49
